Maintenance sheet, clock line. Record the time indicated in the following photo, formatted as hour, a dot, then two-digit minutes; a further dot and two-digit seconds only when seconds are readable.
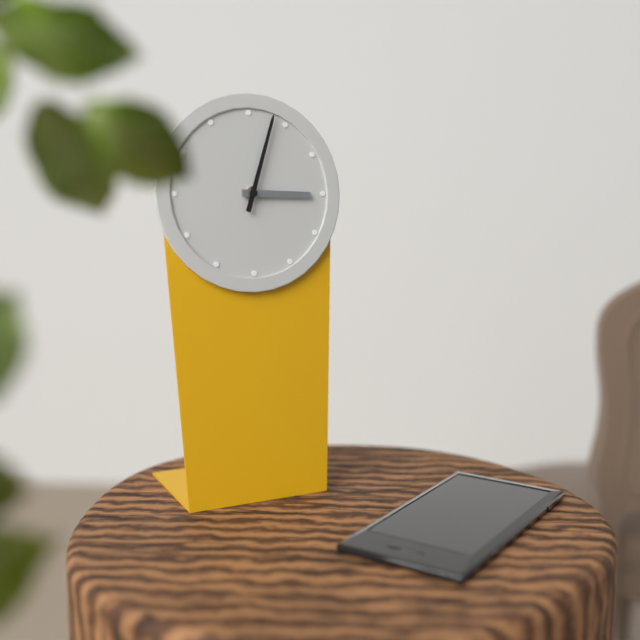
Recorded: 3.03
